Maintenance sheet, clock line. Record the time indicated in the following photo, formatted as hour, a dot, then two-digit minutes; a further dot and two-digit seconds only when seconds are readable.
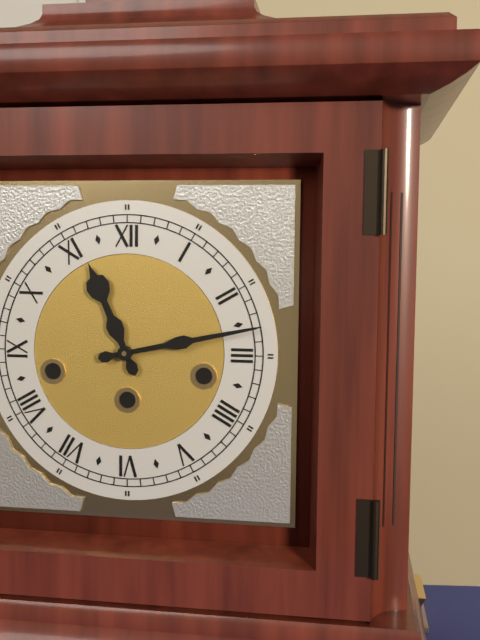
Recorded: 11.13
